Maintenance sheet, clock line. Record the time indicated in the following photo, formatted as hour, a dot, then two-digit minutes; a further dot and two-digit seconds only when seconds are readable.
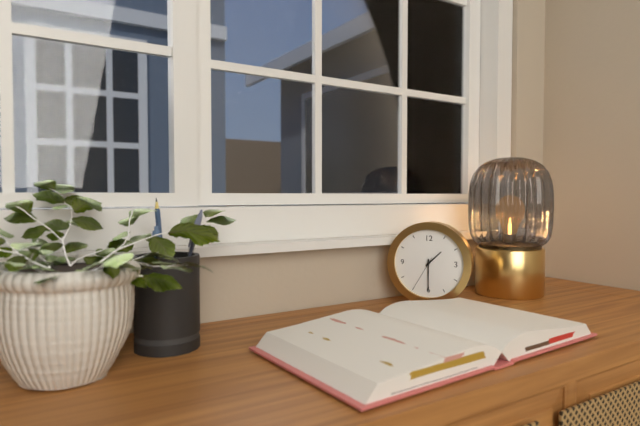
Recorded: 1.30
